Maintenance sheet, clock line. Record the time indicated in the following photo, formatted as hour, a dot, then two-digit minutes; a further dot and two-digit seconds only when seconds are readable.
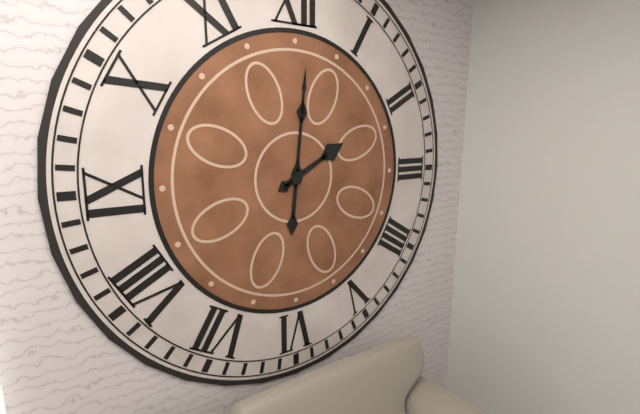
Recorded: 2.01
